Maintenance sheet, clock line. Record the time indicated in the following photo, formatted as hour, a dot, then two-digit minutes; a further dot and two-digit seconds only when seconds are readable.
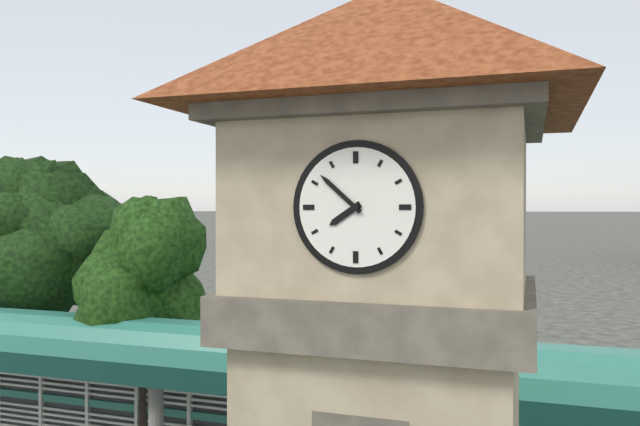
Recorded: 7.52
